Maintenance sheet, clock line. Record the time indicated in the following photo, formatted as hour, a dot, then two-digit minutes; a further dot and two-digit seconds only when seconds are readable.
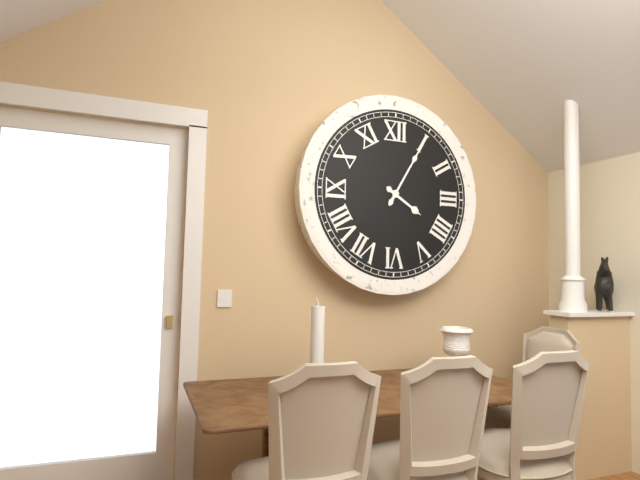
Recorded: 4.05
